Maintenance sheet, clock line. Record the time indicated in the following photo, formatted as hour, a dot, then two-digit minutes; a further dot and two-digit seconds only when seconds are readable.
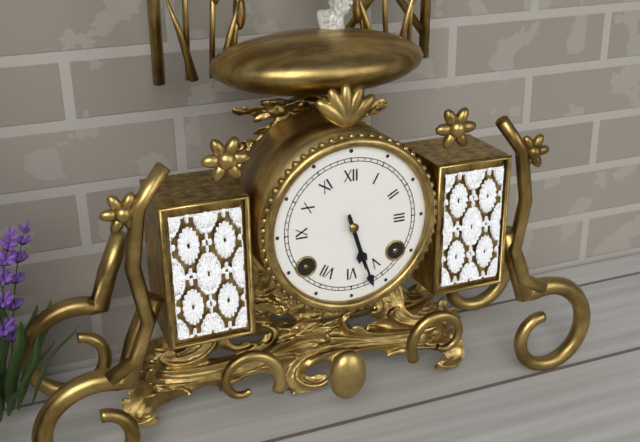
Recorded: 5.27
